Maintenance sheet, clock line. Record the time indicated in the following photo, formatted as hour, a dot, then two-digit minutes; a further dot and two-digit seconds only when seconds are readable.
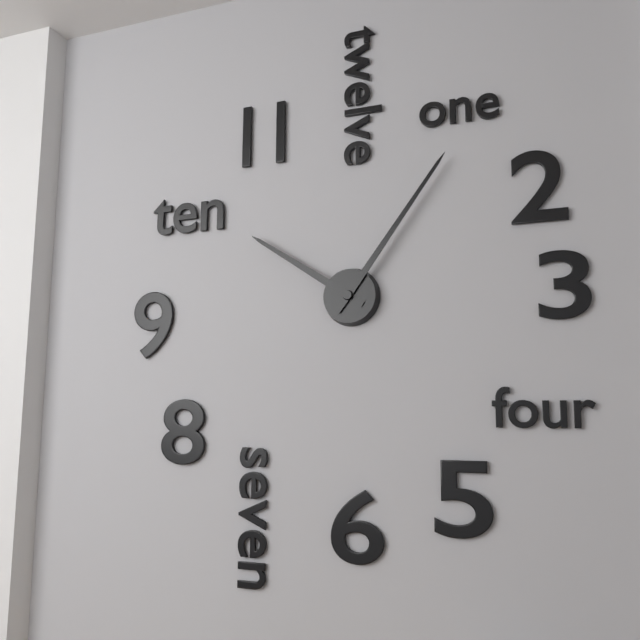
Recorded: 10.06
